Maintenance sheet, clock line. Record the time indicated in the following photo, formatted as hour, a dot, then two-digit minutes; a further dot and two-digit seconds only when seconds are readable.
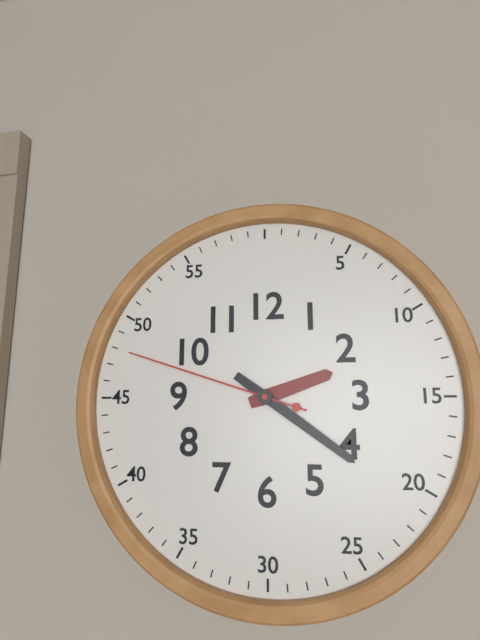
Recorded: 2.21.48
